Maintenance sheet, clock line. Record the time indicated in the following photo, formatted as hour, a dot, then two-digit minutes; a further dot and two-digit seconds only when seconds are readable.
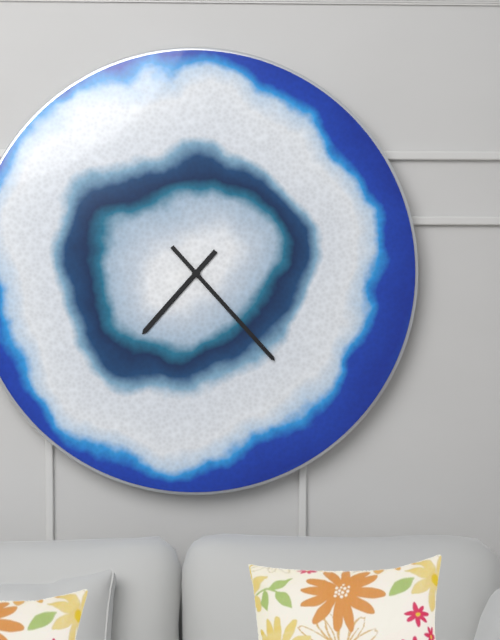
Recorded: 7.23
